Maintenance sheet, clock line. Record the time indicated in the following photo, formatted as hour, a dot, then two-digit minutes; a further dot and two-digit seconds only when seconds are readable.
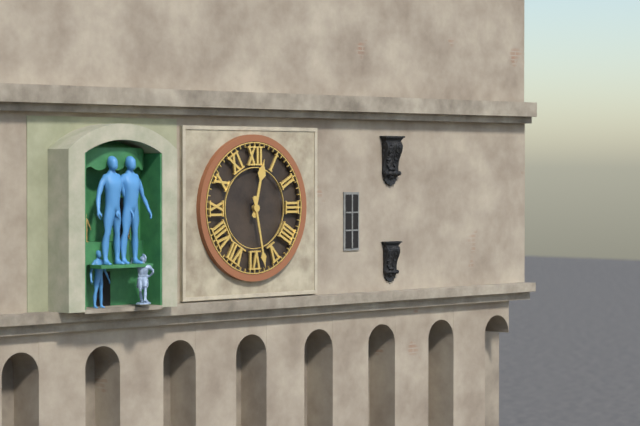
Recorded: 12.28
